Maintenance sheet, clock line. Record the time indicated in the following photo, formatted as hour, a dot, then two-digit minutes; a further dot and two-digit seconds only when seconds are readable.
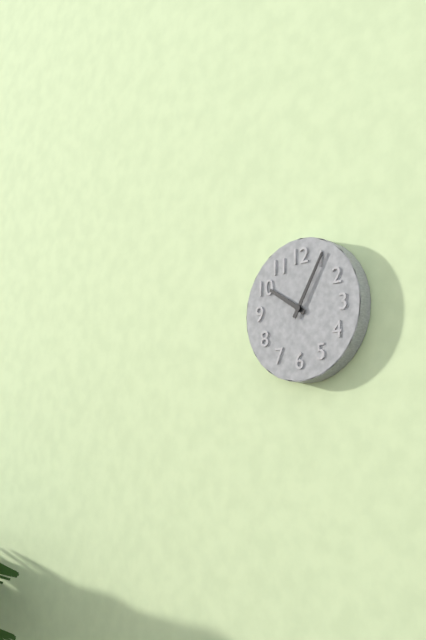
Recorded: 10.05
